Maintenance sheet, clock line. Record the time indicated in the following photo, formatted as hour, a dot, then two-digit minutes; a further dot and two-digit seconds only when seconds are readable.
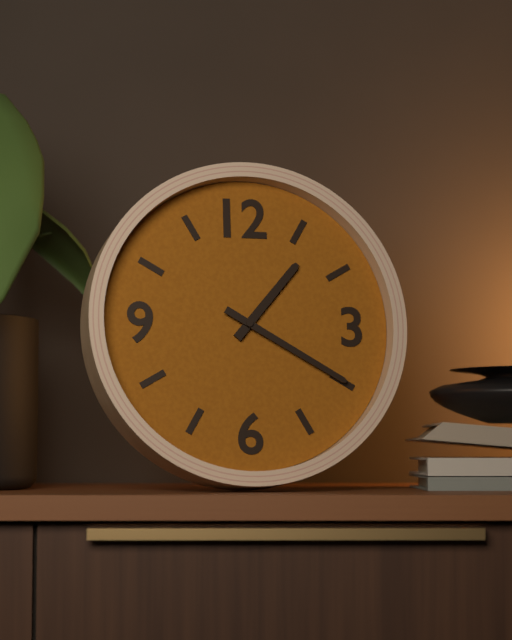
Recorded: 1.20
